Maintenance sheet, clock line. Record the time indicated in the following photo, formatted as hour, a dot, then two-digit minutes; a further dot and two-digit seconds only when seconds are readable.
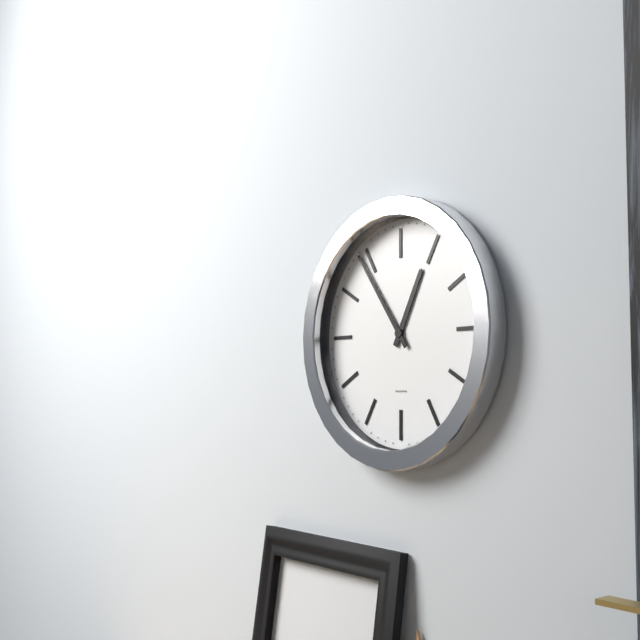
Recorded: 12.54
